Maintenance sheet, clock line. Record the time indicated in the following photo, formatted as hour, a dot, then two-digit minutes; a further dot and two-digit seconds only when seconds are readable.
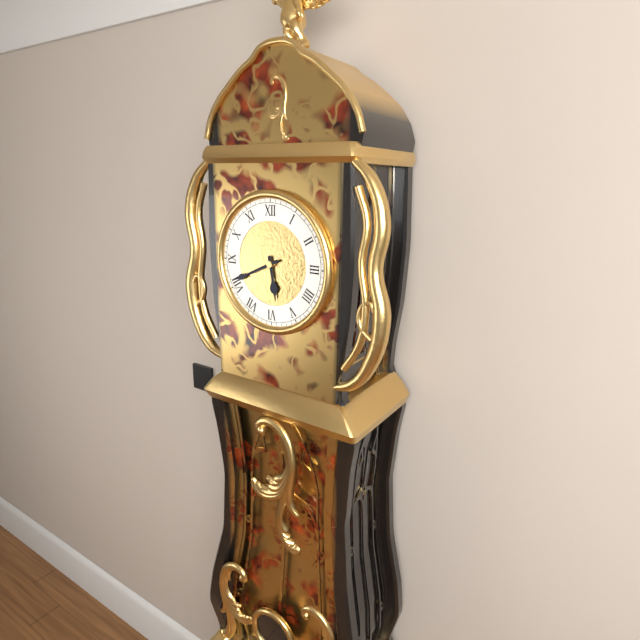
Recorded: 5.41
